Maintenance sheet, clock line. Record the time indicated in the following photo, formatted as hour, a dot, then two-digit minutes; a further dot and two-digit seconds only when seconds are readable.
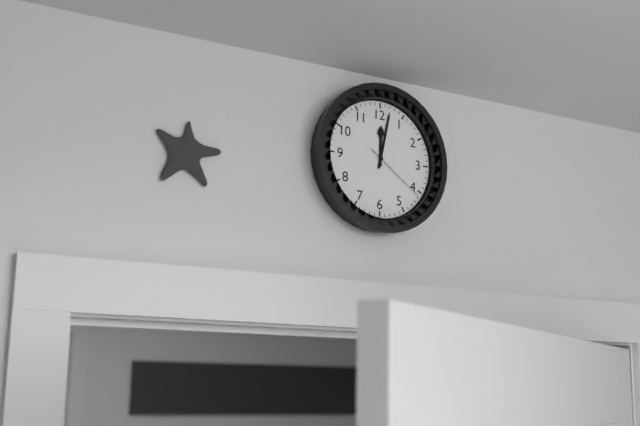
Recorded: 12.02.21
